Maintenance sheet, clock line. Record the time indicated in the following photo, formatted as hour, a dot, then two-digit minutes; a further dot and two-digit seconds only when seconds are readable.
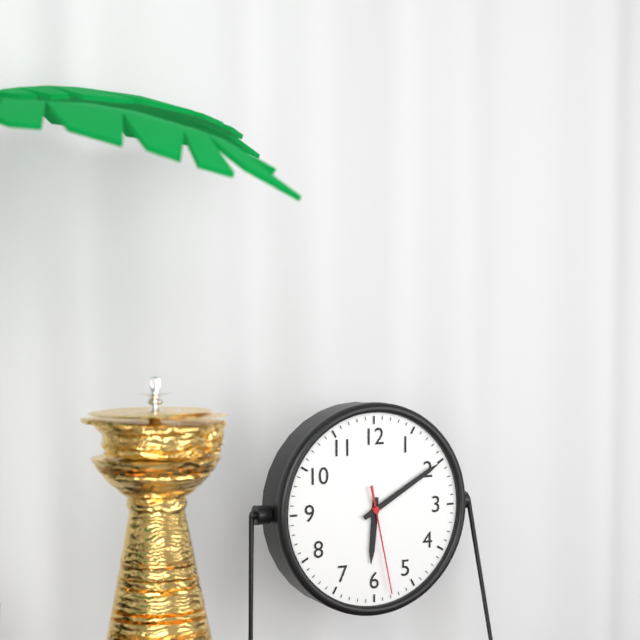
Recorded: 6.10.28
